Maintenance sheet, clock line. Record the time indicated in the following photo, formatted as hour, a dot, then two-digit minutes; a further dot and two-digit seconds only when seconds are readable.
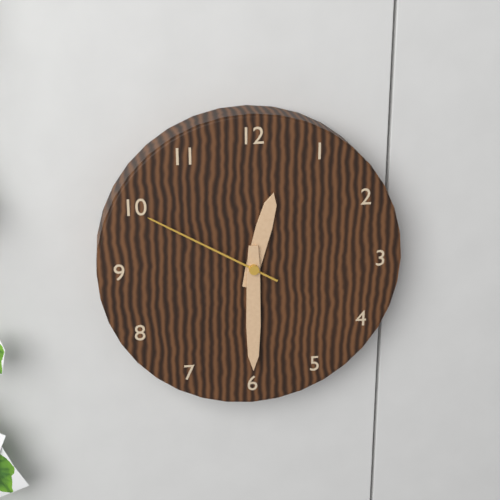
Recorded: 12.30.50
